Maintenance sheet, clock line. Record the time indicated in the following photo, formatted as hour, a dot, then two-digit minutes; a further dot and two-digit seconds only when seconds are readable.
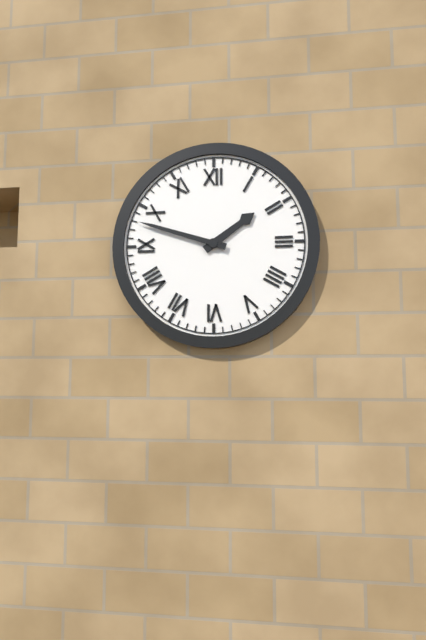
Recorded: 1.48
